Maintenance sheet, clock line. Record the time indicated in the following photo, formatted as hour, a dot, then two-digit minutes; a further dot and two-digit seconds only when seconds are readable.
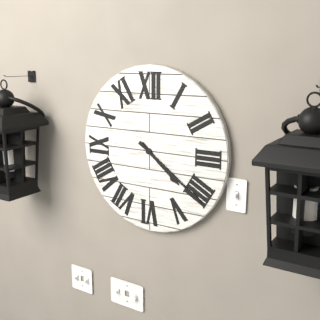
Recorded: 4.21
